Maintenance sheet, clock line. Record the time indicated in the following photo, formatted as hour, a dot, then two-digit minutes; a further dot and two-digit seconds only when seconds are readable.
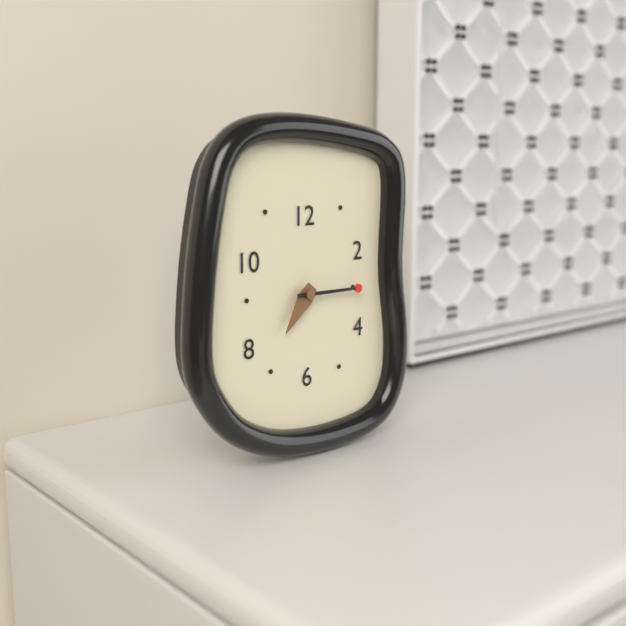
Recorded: 7.15
